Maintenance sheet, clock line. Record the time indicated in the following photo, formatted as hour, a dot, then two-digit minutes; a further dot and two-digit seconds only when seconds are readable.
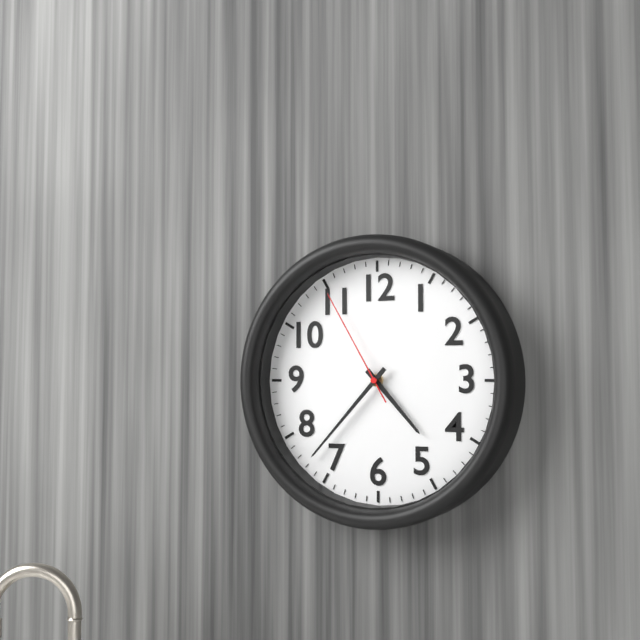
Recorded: 4.37.55
